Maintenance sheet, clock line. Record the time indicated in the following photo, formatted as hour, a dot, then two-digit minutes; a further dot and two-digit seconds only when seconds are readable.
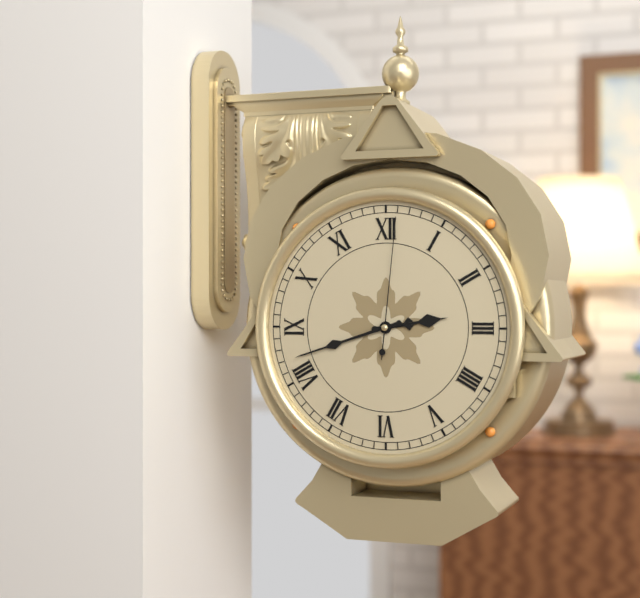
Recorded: 2.42.01
